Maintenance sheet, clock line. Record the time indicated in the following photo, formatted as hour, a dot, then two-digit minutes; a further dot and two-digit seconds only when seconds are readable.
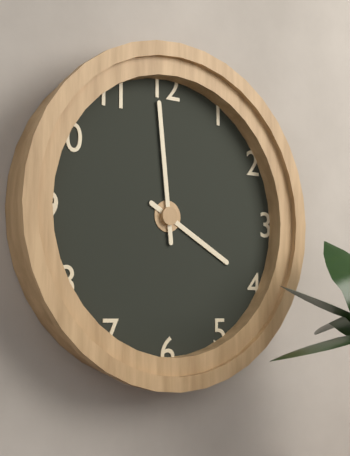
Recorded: 3.59
